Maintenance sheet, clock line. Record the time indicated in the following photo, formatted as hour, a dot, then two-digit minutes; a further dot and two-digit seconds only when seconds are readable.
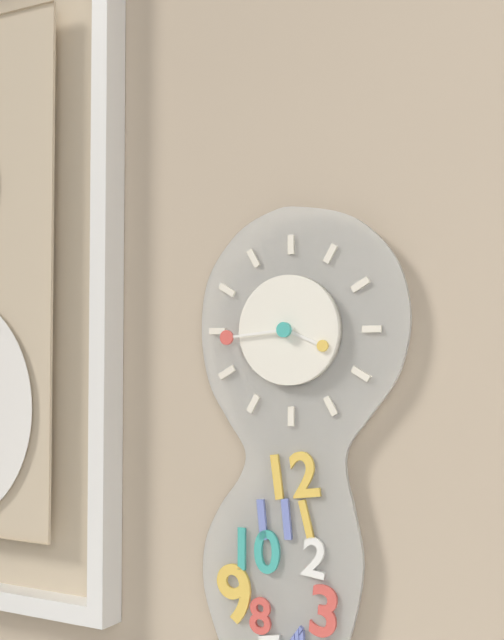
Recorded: 3.44
